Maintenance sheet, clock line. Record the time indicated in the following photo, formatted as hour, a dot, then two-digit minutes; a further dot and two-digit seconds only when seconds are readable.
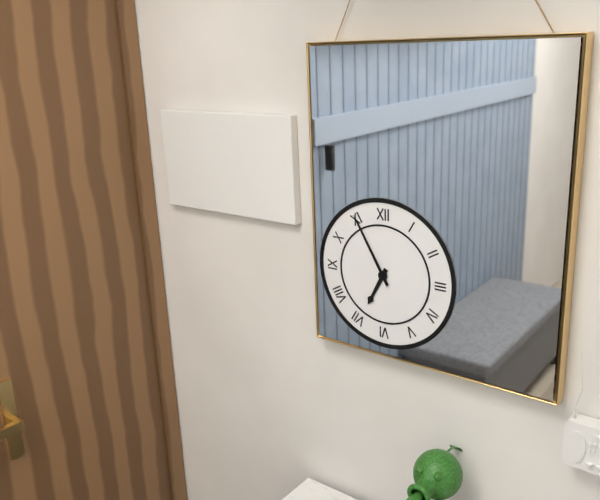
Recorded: 6.55
